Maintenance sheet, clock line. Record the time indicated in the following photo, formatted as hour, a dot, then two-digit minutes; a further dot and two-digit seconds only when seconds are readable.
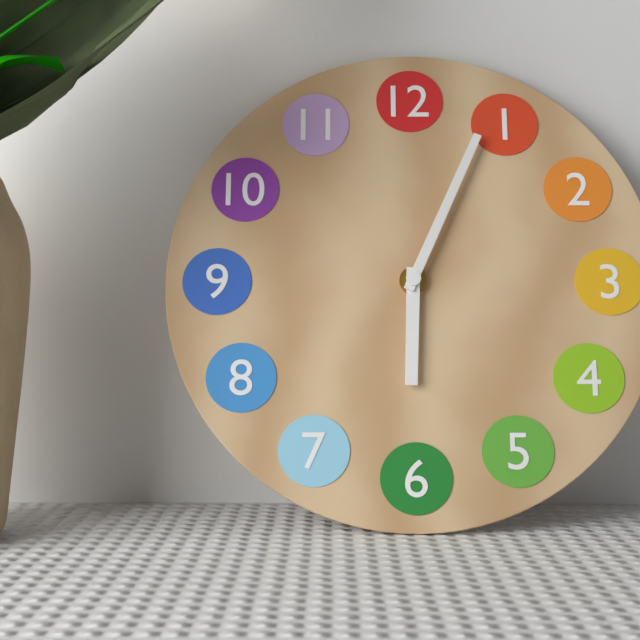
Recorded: 6.04
